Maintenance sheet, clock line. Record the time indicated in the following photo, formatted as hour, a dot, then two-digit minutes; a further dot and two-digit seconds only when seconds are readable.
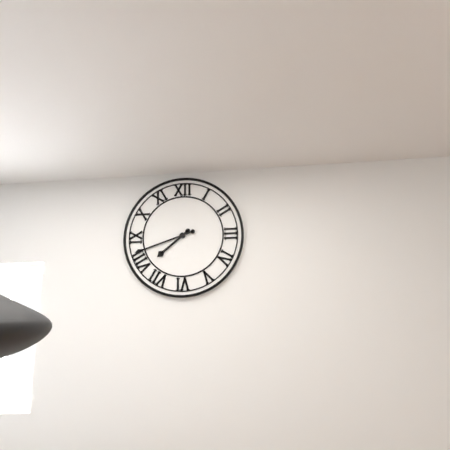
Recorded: 7.42
